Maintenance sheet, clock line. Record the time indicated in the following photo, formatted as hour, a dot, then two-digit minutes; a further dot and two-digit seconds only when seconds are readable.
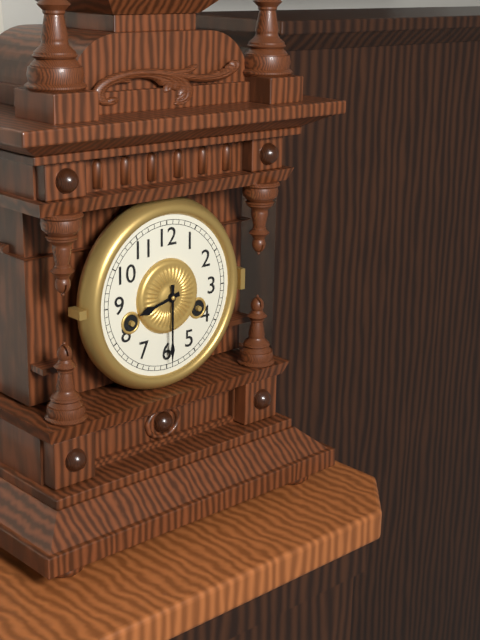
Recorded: 8.30
